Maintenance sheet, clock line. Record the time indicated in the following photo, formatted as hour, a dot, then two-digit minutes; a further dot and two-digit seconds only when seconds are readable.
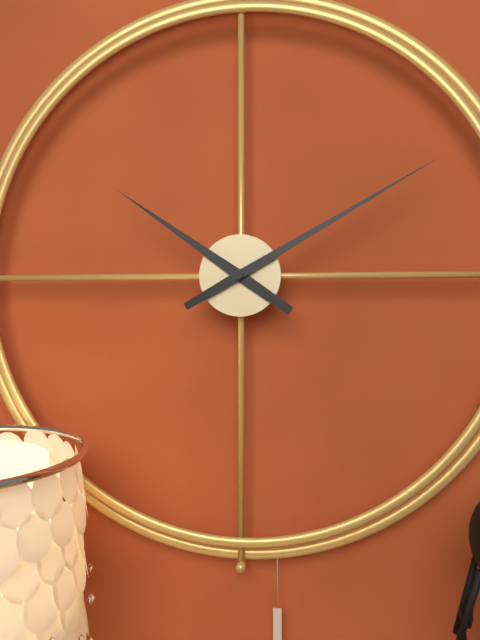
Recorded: 10.10
